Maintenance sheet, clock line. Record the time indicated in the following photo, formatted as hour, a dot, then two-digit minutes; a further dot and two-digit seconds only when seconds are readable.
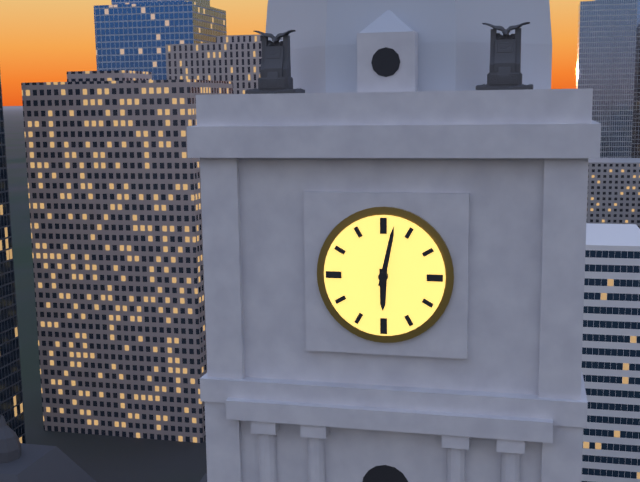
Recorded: 6.02
